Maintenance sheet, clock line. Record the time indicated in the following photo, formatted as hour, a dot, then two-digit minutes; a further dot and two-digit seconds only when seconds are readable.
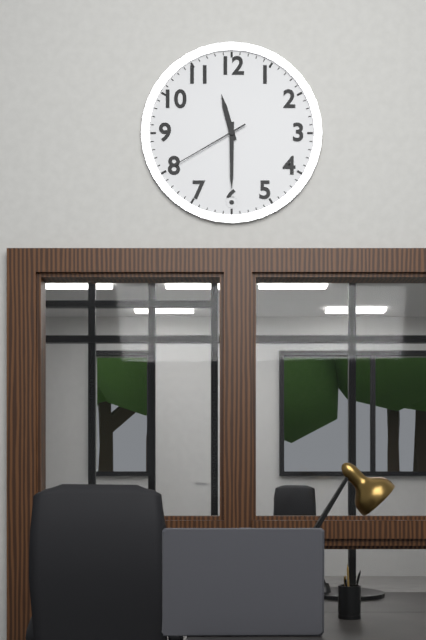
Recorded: 11.30.40
